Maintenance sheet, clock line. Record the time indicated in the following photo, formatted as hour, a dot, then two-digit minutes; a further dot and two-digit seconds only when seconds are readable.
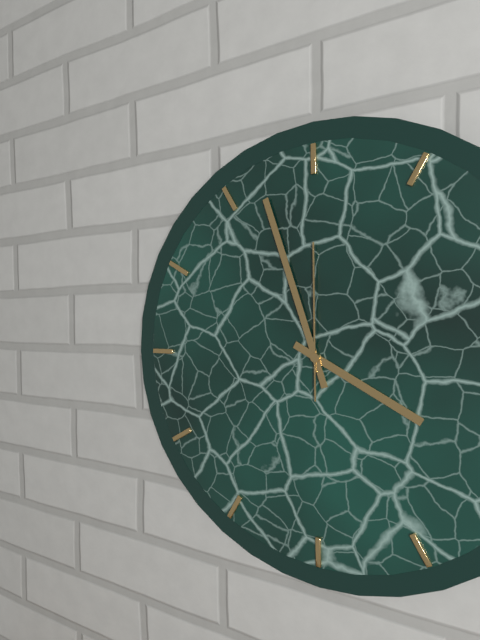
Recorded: 3.57.00
